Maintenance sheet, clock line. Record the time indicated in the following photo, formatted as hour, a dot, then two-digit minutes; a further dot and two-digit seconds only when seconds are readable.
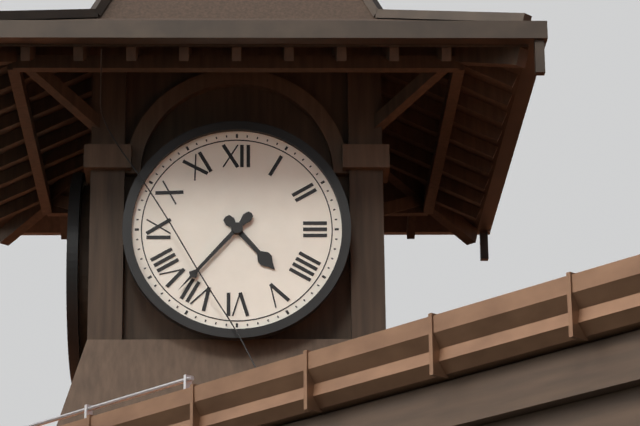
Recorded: 4.37
